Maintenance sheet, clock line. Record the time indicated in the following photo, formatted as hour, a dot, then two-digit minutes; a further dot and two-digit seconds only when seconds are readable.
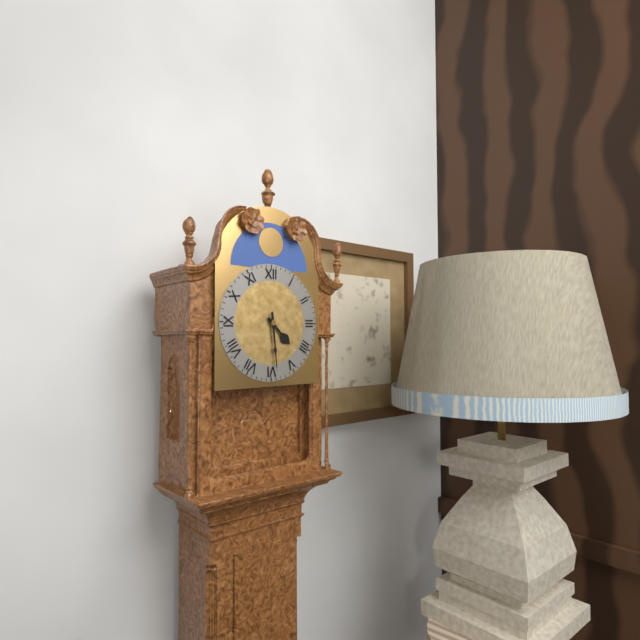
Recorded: 4.29
